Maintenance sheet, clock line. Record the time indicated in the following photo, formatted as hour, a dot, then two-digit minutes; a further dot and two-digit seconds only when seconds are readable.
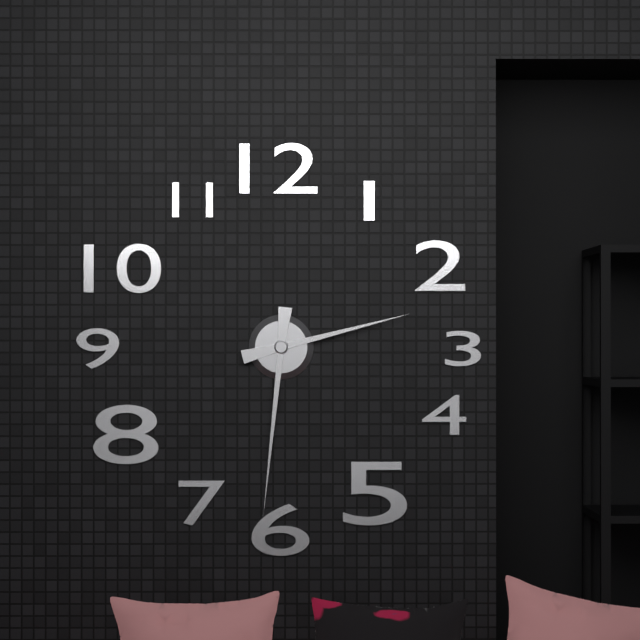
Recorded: 2.31
